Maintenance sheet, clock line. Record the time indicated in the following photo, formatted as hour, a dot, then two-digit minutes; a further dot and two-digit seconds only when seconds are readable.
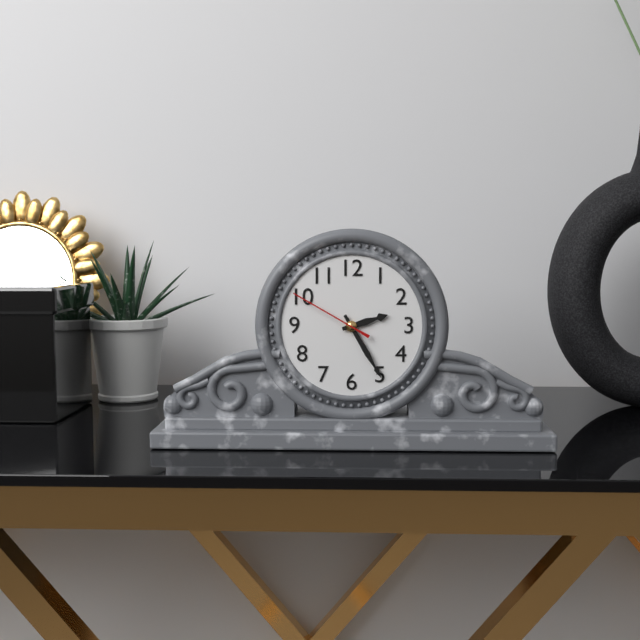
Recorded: 2.25.50
